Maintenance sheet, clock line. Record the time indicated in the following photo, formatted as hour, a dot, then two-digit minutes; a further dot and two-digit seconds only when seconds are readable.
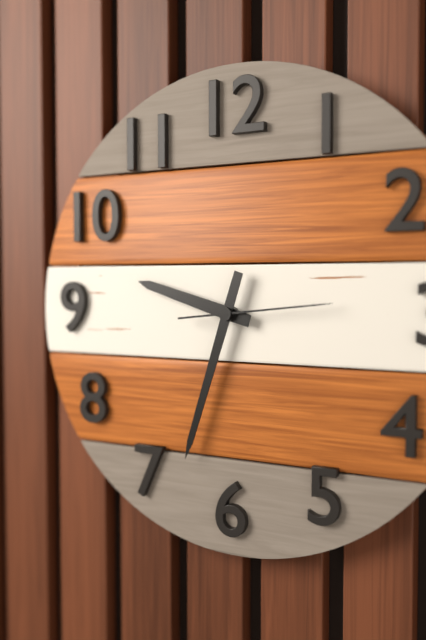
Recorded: 9.33.14
